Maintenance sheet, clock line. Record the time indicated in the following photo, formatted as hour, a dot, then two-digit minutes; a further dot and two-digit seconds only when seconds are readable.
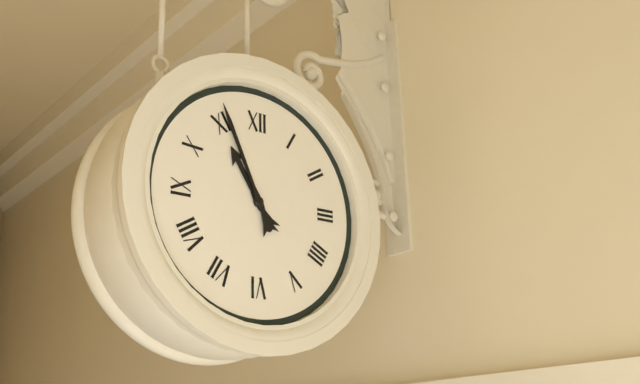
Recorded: 10.56
